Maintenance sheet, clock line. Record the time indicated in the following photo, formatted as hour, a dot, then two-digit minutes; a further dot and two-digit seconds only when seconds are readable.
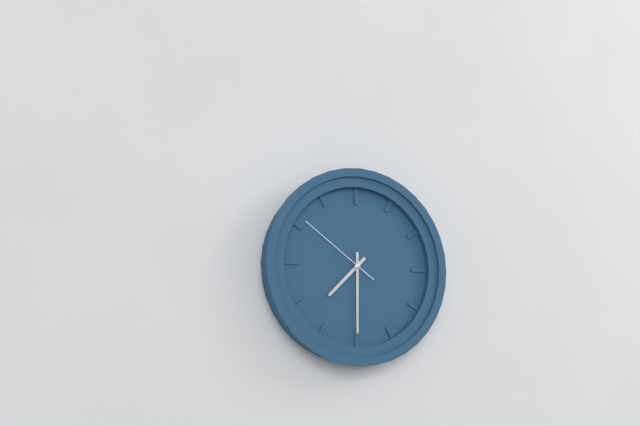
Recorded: 7.30.51
